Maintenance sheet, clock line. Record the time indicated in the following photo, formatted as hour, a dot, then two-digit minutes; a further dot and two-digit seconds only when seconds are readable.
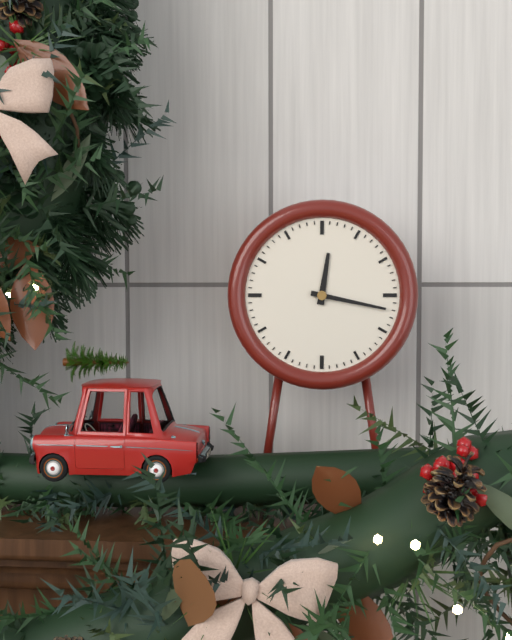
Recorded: 12.17
